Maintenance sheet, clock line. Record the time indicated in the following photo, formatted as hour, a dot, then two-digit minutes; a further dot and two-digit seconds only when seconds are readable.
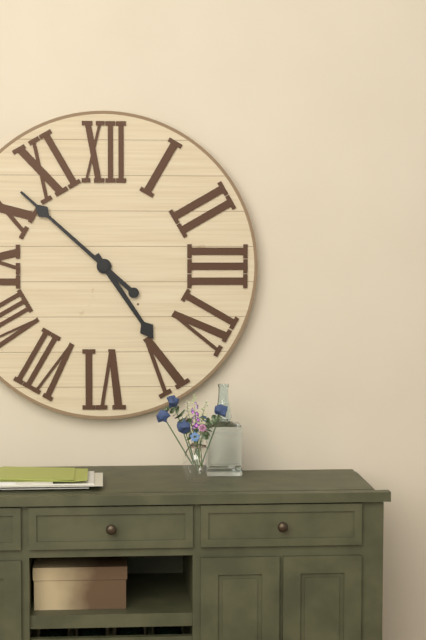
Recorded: 4.52
